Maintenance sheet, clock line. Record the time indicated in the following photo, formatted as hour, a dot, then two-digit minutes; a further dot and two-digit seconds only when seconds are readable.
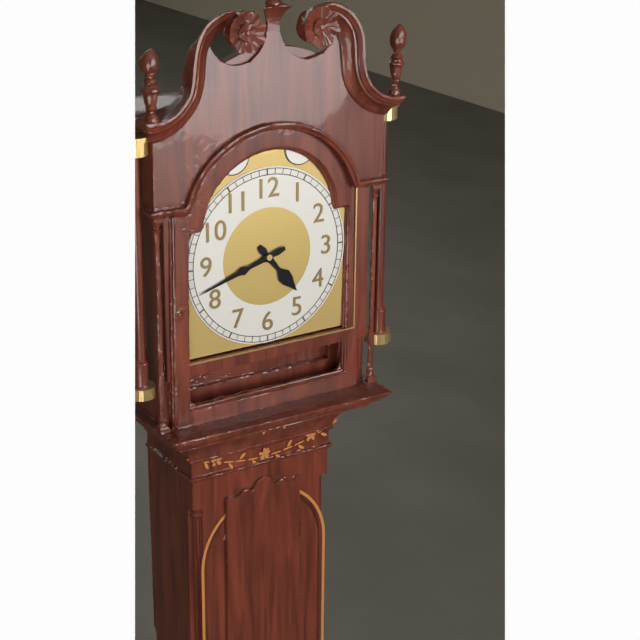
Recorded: 4.42
